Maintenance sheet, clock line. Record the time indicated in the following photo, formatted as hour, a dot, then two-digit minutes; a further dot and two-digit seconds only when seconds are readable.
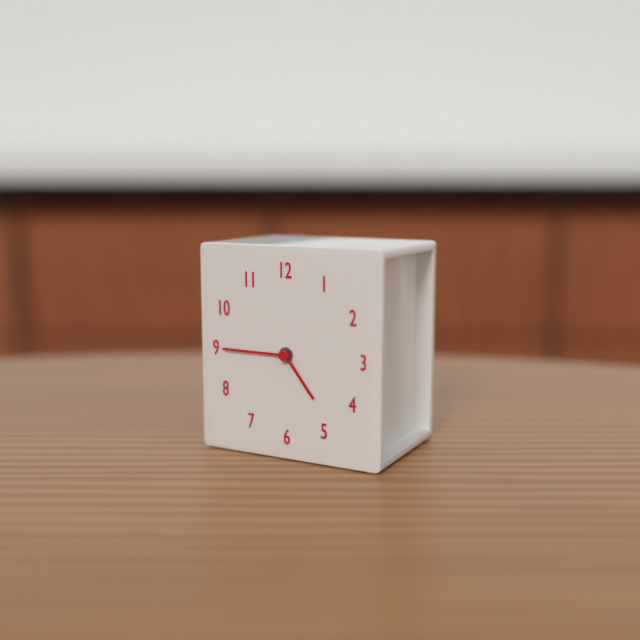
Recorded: 4.45
